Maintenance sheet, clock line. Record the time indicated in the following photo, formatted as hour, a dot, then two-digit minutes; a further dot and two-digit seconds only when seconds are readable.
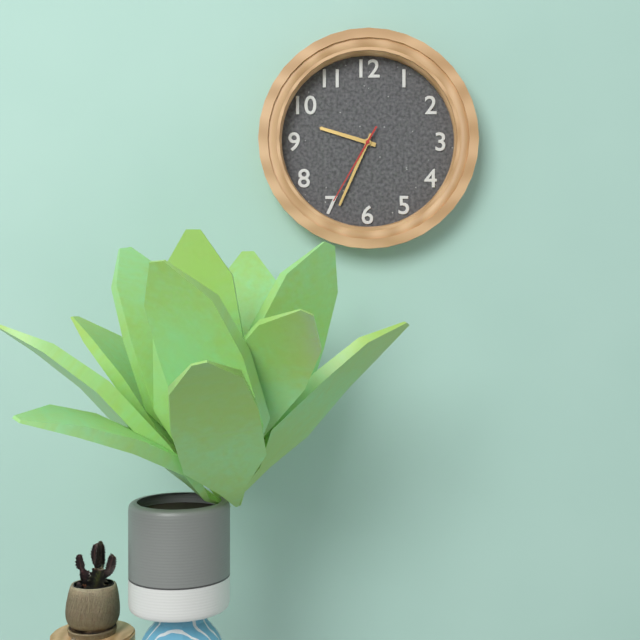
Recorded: 9.34.35
